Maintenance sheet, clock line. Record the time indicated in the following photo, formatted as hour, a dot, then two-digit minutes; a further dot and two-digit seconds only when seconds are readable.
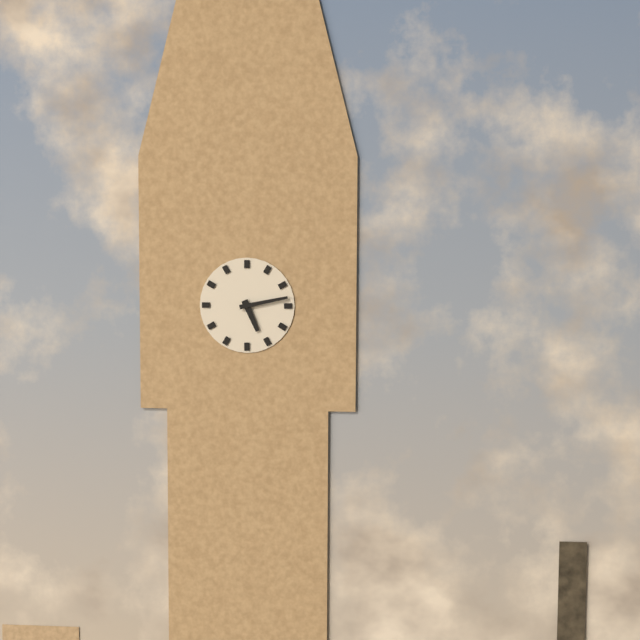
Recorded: 5.13
